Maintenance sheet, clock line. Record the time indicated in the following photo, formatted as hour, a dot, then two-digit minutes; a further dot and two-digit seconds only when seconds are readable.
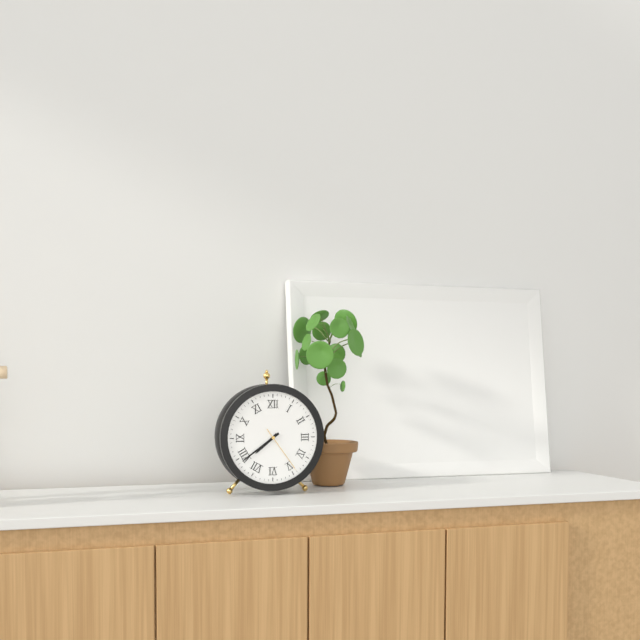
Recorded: 7.39.24
